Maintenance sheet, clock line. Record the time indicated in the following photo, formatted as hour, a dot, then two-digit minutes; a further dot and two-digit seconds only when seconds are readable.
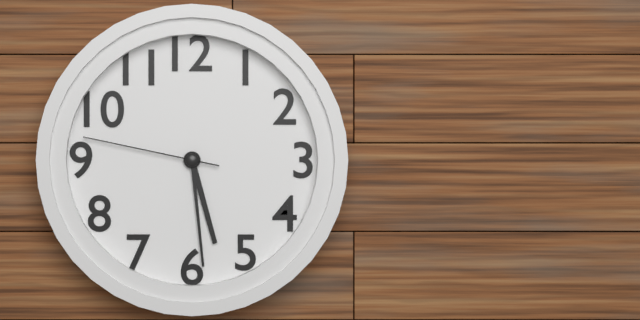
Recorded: 5.29.47
